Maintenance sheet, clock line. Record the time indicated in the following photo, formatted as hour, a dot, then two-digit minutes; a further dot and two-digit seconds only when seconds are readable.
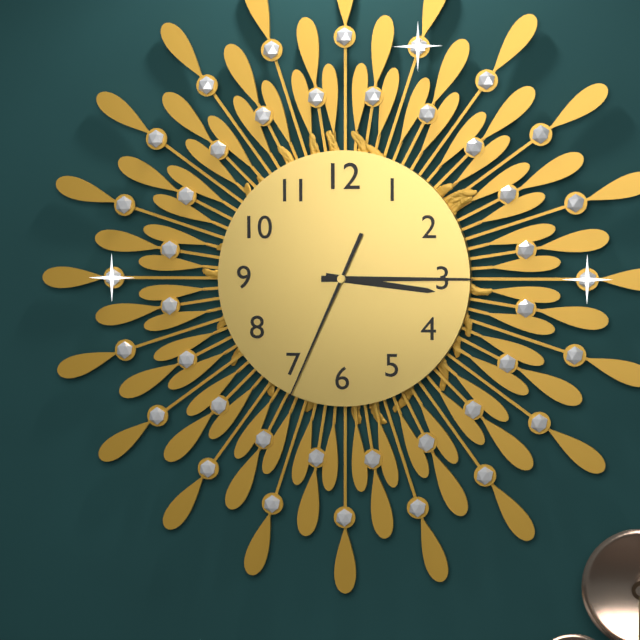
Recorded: 3.15.34
